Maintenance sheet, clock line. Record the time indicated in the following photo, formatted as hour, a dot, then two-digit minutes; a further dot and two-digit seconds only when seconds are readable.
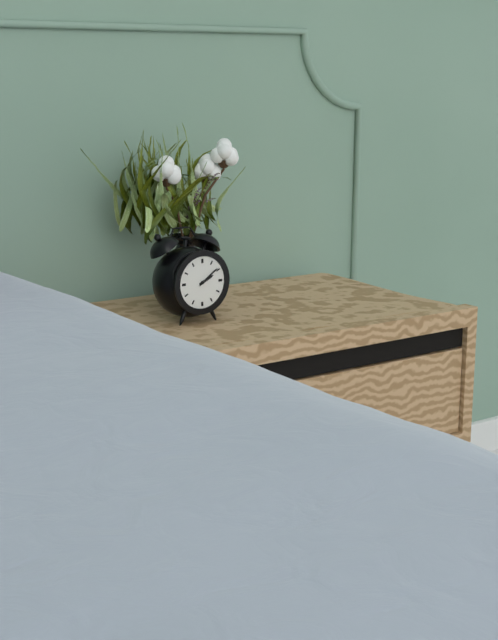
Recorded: 2.09
